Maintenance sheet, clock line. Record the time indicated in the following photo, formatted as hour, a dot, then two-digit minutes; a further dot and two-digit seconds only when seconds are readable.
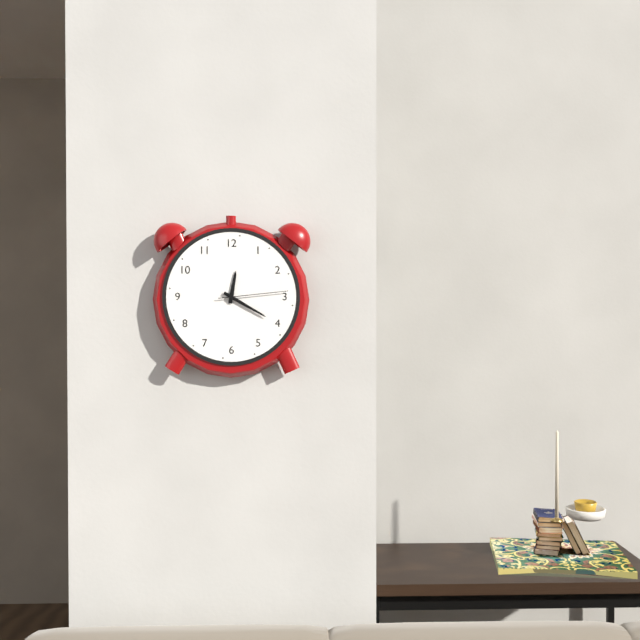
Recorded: 12.20.14
